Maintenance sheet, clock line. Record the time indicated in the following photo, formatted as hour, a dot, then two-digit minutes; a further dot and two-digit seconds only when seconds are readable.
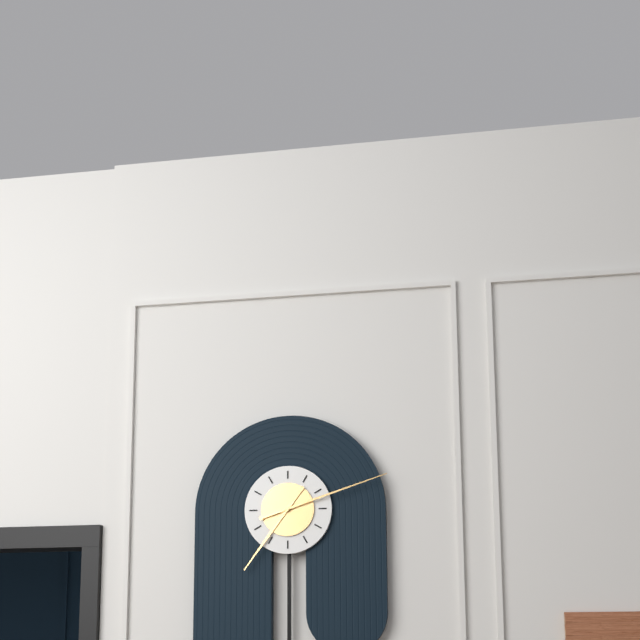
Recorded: 7.12
